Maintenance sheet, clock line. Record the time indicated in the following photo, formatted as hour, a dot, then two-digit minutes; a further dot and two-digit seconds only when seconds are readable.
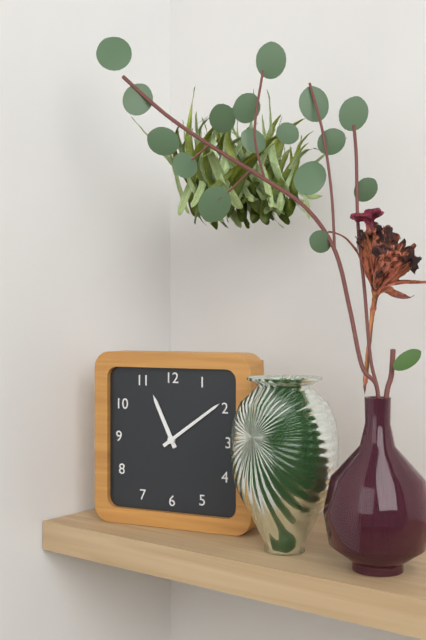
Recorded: 11.09
